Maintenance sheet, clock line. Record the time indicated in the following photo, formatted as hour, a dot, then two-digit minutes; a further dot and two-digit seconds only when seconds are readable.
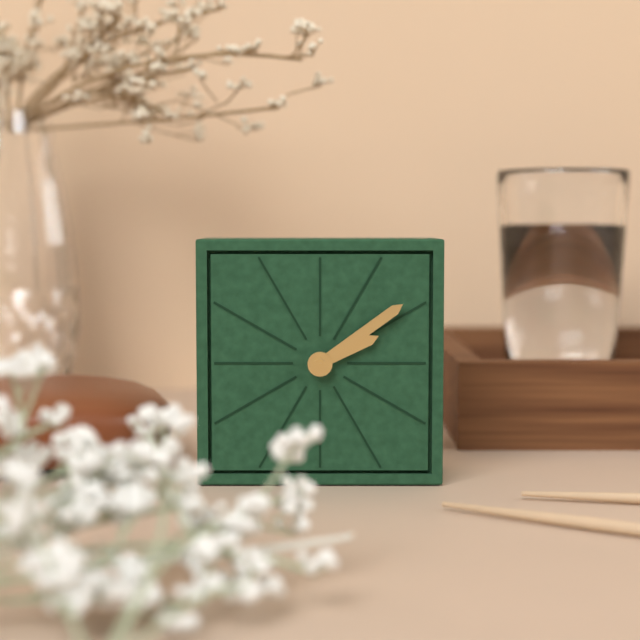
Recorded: 2.09
